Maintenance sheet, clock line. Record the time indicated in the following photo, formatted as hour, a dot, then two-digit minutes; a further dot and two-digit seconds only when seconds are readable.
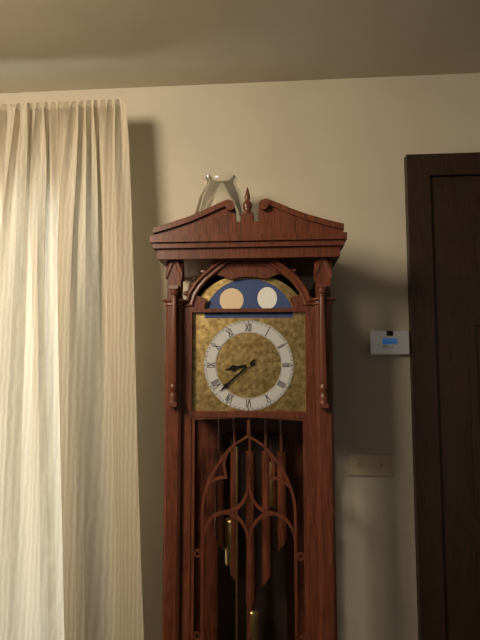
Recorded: 8.38
